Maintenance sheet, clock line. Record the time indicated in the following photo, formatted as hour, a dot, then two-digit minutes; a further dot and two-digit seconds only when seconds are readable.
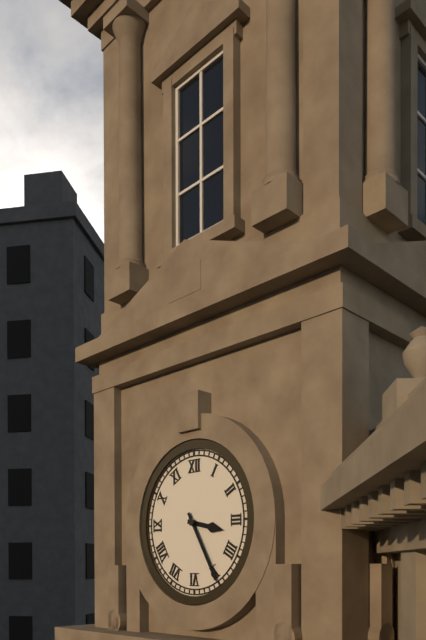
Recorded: 3.25
